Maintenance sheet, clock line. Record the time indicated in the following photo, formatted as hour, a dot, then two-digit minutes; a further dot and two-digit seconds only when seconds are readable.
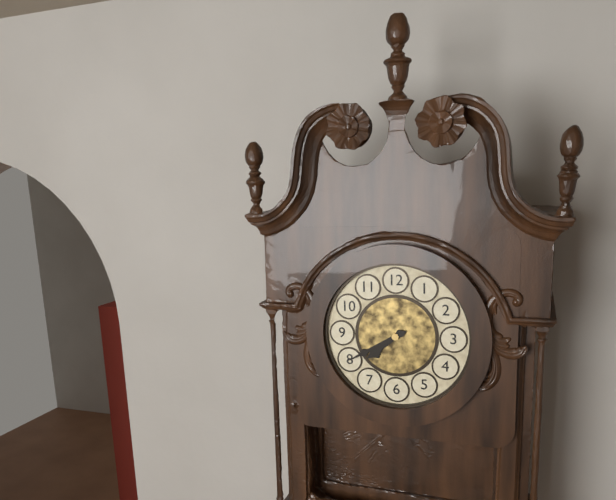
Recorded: 7.40
